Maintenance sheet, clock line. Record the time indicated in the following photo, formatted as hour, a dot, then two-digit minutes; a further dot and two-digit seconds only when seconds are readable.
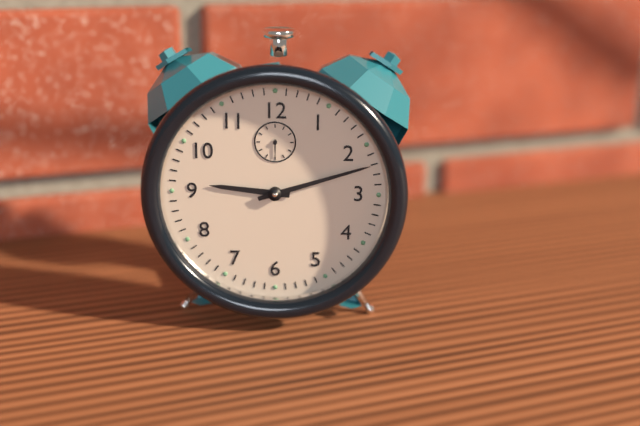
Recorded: 9.12
